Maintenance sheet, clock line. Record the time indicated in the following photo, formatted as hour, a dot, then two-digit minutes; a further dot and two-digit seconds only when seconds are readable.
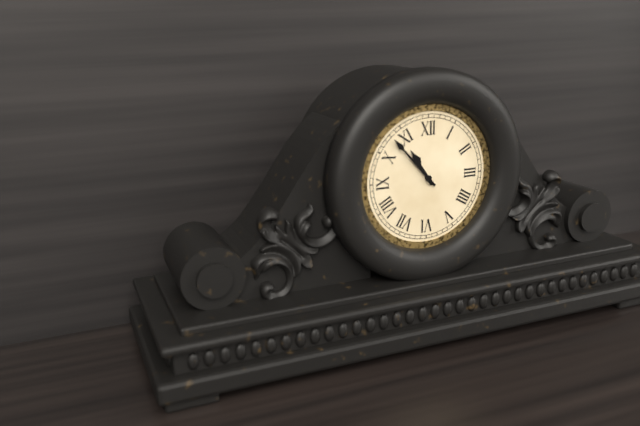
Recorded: 10.53
